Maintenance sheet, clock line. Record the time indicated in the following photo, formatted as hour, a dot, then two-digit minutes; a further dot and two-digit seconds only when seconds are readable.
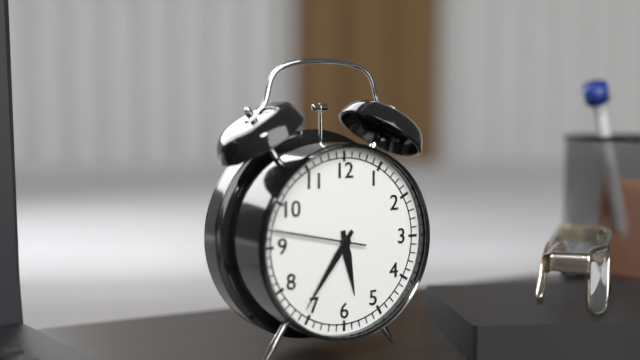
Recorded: 5.36.47
